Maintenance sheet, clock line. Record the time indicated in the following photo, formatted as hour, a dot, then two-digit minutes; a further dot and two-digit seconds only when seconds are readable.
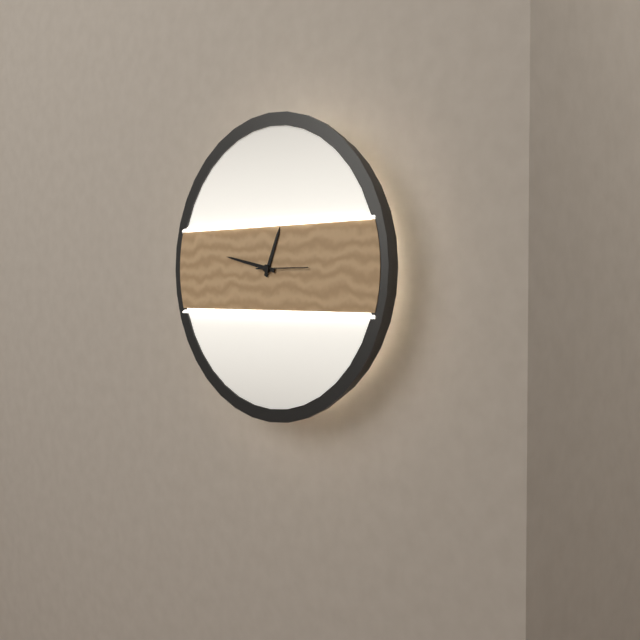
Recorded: 12.47.15
